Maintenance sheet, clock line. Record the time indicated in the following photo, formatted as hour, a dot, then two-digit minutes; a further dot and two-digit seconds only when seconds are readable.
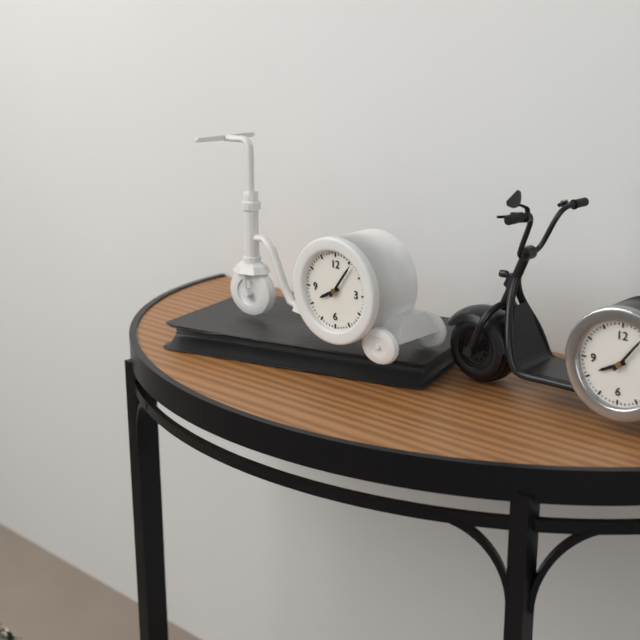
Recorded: 8.06
